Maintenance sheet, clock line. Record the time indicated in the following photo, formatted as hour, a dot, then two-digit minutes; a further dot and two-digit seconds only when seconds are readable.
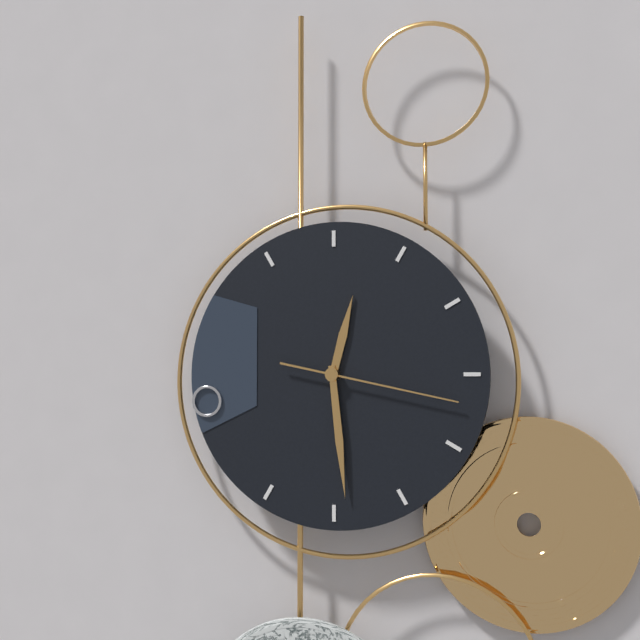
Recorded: 12.29.17
